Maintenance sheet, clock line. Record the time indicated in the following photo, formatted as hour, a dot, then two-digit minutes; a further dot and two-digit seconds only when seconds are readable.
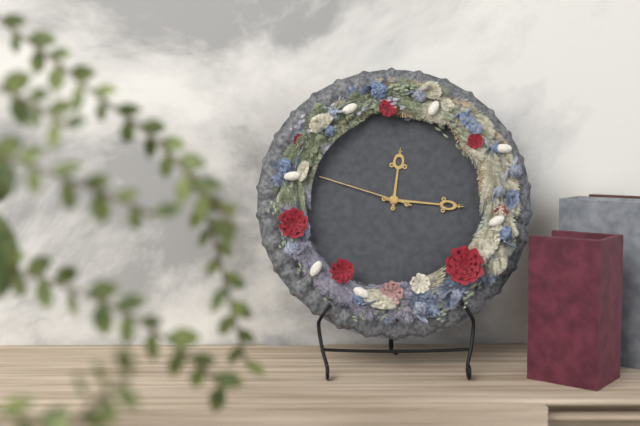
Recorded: 12.16.48
